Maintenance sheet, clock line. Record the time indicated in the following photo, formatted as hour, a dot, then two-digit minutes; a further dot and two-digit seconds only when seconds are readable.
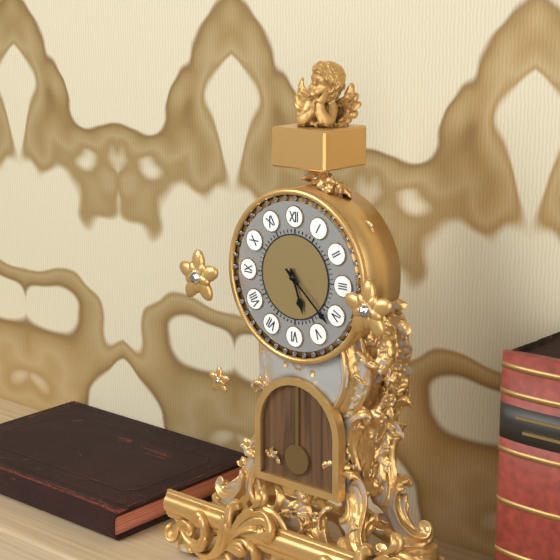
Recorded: 5.22
